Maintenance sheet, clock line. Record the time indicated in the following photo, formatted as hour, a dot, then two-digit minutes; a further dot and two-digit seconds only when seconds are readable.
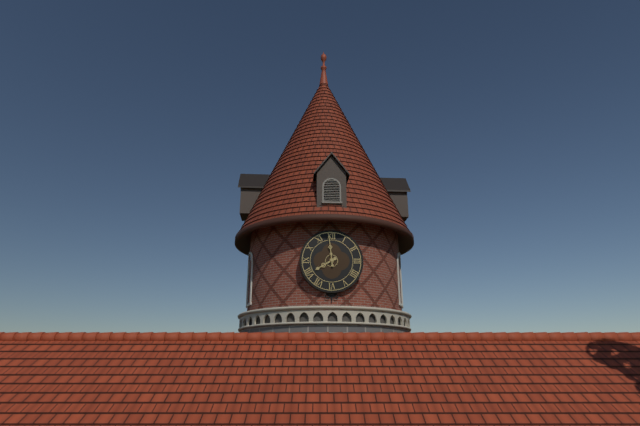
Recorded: 7.59
